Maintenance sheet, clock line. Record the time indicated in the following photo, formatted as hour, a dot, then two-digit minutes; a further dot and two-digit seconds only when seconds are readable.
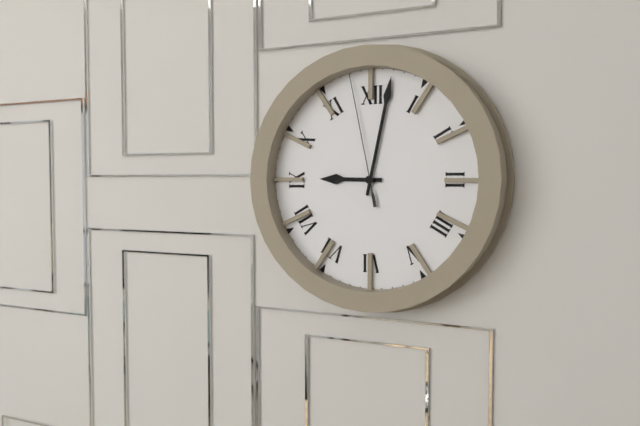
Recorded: 9.02.58
